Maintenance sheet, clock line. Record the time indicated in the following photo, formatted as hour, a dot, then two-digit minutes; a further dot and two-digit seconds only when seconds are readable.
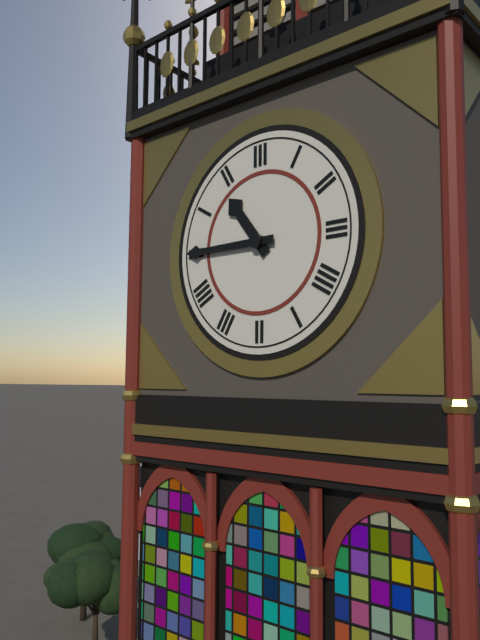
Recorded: 10.45
